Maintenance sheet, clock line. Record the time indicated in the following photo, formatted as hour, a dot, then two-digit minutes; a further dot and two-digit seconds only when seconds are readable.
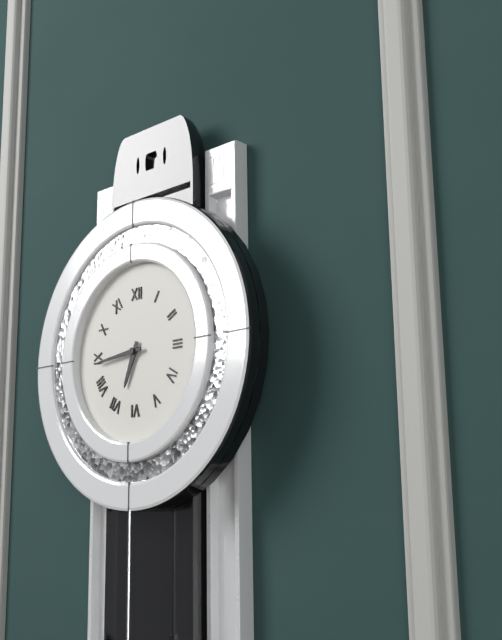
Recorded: 6.44
